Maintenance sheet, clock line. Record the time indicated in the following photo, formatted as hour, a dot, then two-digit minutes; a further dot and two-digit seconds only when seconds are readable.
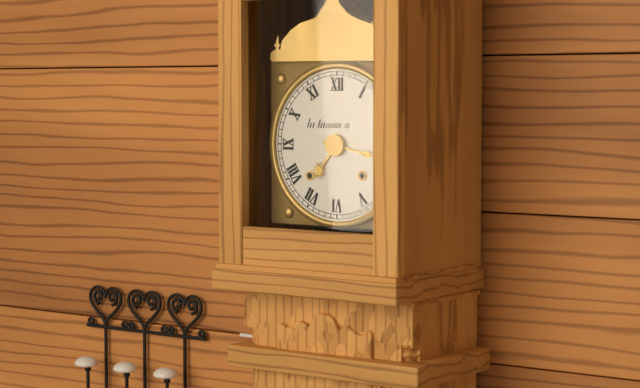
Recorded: 7.17
